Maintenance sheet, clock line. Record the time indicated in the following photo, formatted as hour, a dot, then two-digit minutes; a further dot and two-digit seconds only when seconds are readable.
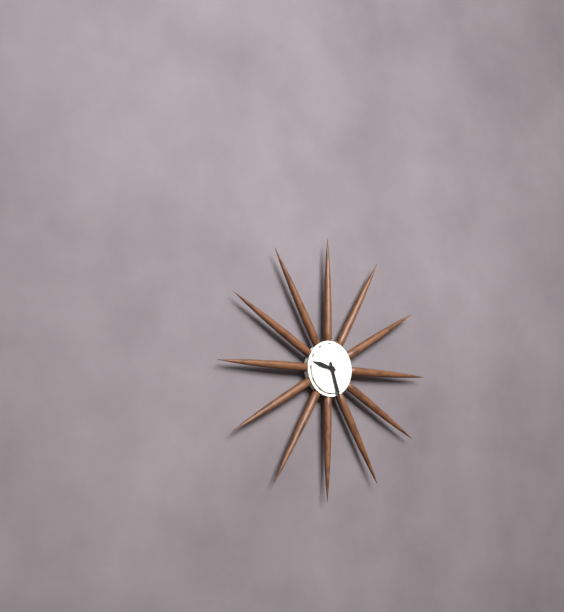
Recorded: 9.27
